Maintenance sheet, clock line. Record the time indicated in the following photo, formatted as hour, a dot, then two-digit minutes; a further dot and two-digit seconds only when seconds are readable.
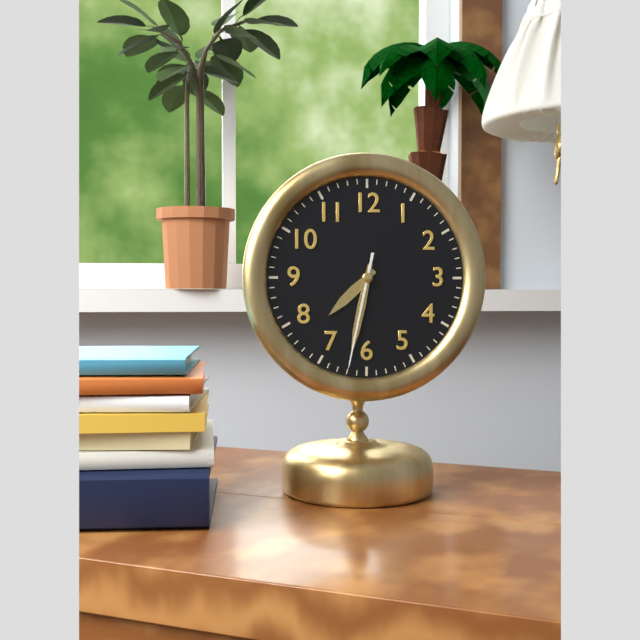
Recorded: 7.32.32
